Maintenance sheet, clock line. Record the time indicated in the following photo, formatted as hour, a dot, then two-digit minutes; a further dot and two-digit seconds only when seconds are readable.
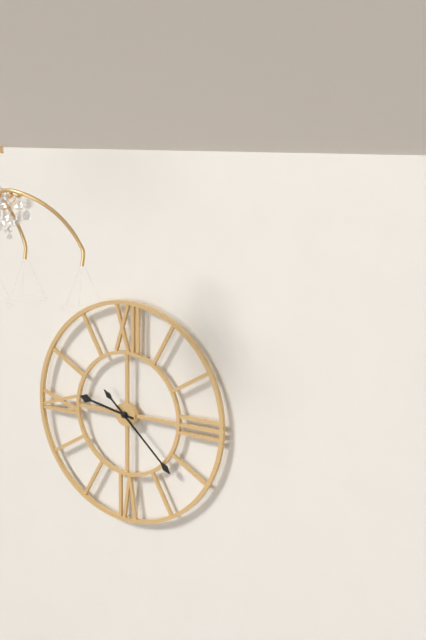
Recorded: 9.22
